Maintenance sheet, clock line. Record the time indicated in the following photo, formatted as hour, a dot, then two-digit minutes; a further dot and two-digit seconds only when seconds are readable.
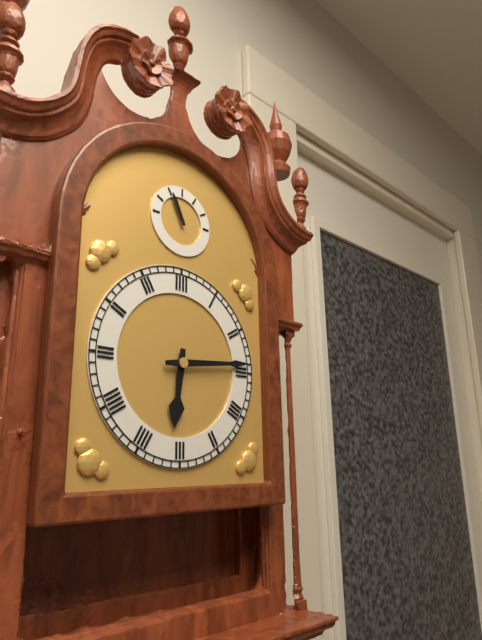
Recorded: 6.14
